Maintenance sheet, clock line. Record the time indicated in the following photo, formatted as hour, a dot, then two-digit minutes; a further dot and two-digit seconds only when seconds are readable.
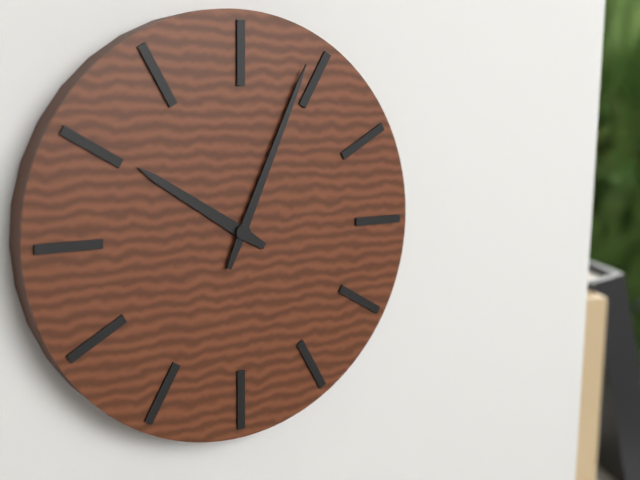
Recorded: 10.04
